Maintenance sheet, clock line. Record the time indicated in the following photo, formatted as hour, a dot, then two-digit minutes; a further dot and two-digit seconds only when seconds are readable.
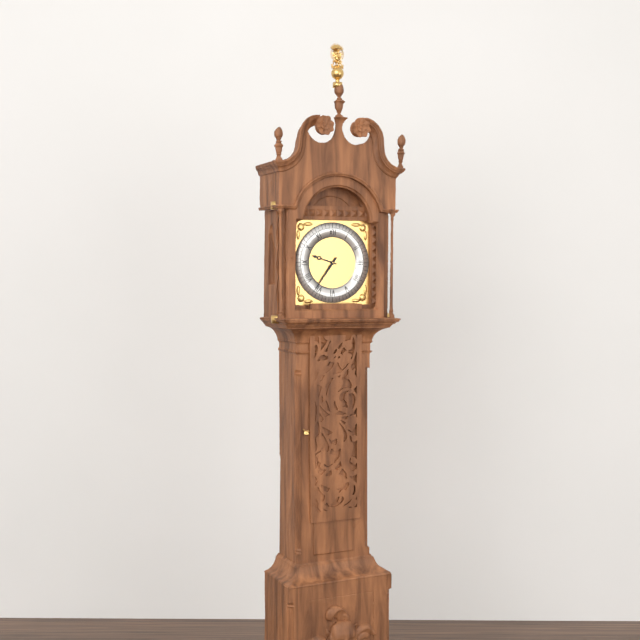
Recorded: 9.36
